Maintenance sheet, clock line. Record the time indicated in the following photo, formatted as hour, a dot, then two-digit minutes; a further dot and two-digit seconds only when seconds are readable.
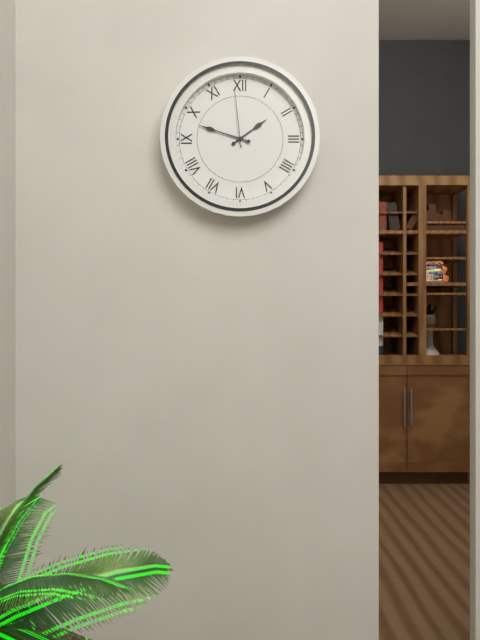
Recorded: 1.48.59
